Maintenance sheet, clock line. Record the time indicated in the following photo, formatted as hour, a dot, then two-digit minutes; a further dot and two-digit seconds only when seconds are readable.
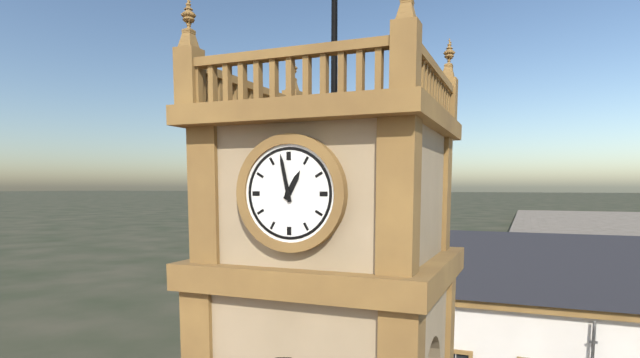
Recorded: 12.58
